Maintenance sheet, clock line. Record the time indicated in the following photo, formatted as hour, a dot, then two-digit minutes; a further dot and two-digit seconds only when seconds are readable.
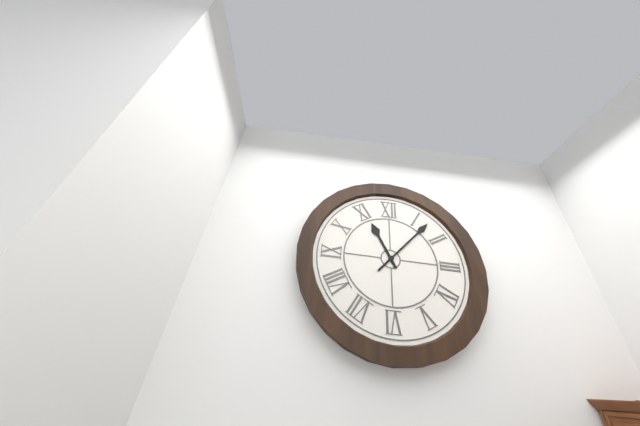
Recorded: 11.07
